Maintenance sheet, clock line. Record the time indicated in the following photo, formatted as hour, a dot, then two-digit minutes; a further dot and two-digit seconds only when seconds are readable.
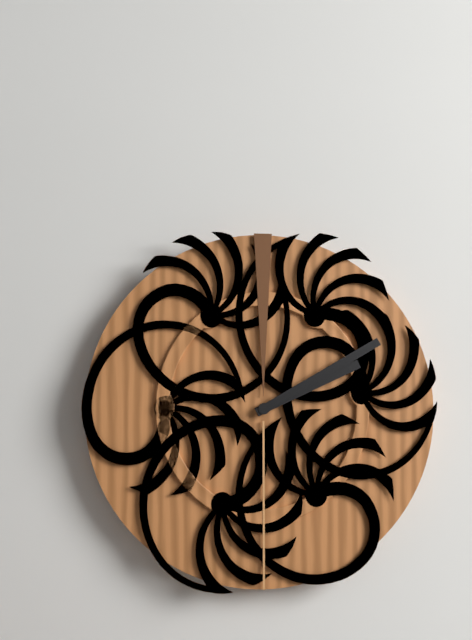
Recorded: 2.10
